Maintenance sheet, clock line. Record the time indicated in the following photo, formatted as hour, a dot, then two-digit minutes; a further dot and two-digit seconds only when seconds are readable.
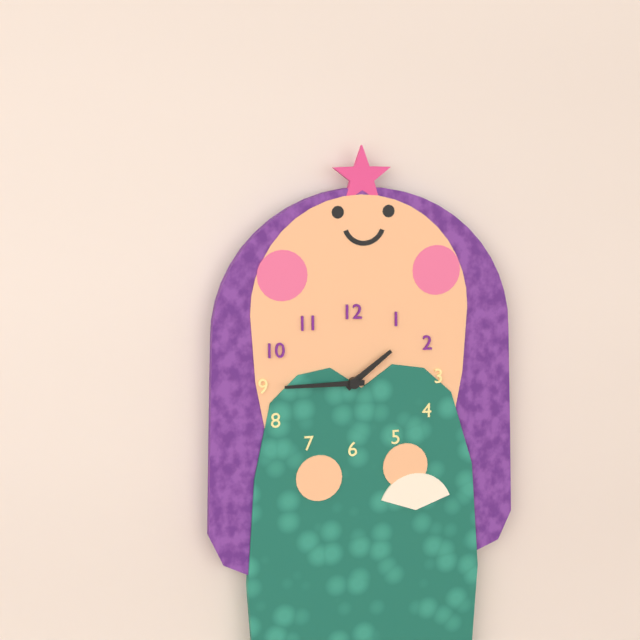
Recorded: 1.45
